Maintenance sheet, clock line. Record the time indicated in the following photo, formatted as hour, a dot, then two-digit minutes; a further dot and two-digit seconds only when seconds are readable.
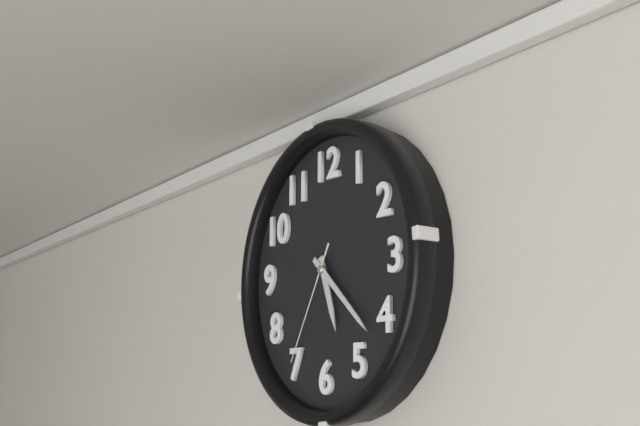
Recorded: 5.22.35
